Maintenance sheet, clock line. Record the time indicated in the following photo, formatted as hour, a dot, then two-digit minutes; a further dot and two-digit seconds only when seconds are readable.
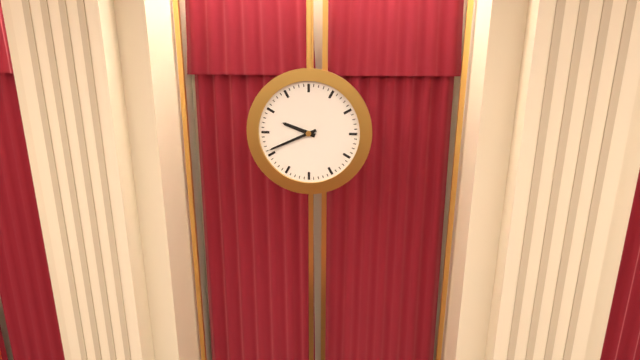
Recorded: 9.41
